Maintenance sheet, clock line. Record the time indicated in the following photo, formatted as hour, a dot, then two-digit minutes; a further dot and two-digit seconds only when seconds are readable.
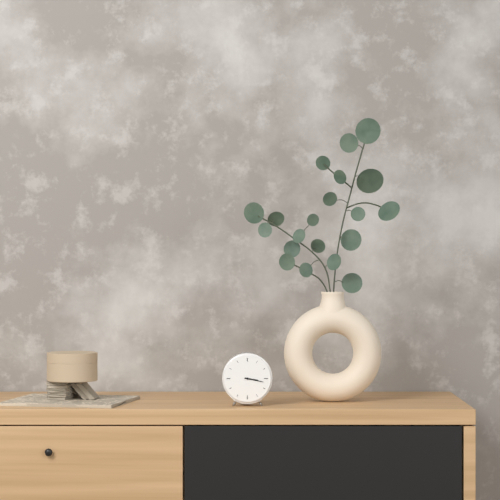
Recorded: 3.17
